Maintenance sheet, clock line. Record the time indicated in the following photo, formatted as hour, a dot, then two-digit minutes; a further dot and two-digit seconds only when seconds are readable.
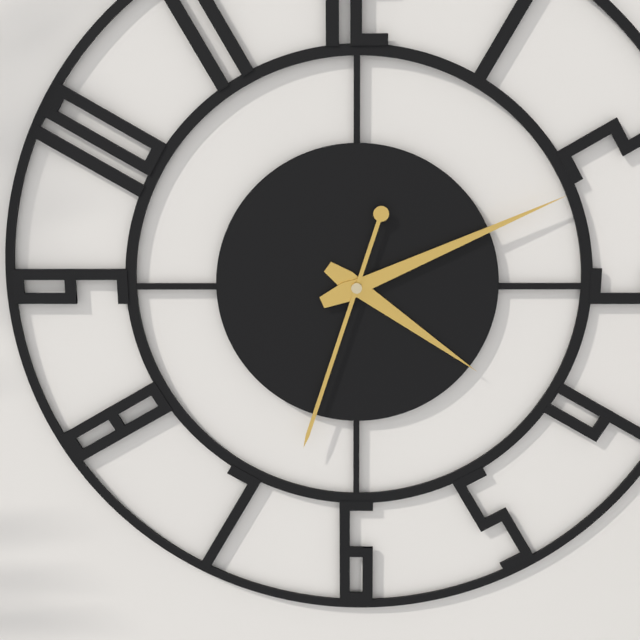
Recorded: 4.11.33
